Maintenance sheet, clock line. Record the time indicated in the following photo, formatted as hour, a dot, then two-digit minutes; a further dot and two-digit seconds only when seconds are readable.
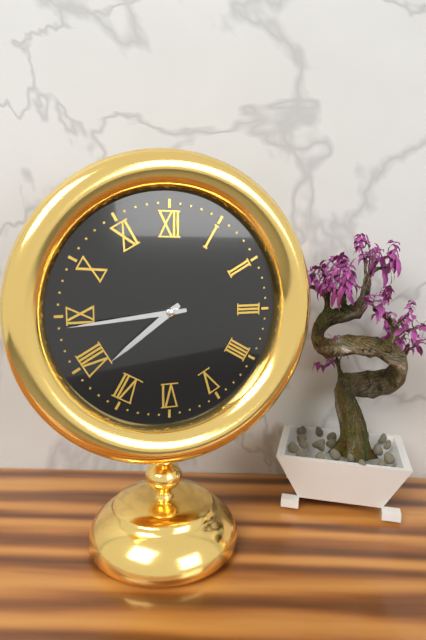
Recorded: 7.44
